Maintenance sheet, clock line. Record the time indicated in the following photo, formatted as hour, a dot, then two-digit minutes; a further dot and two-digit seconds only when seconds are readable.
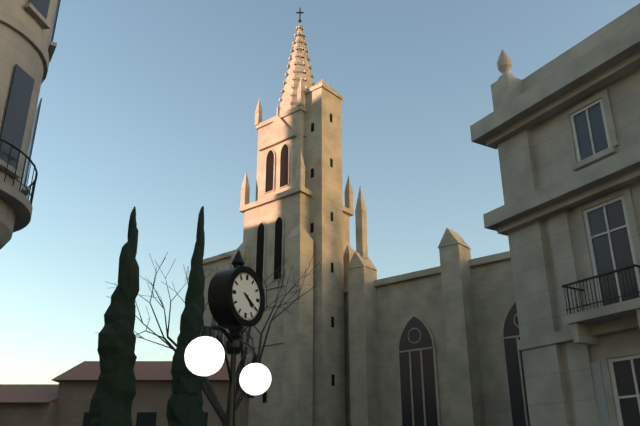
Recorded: 4.20
